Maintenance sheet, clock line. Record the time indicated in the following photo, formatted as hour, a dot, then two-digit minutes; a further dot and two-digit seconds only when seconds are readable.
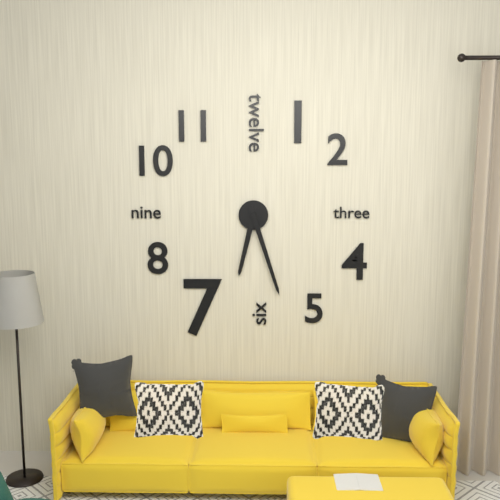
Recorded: 6.27
